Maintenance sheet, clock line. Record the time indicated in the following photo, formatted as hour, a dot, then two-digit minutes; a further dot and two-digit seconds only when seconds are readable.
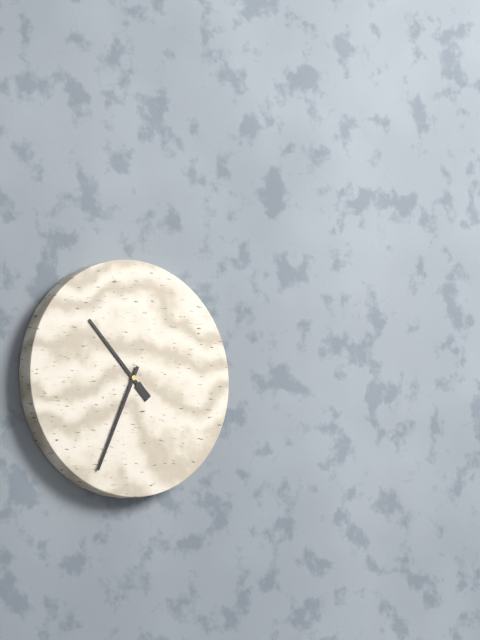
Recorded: 10.34
